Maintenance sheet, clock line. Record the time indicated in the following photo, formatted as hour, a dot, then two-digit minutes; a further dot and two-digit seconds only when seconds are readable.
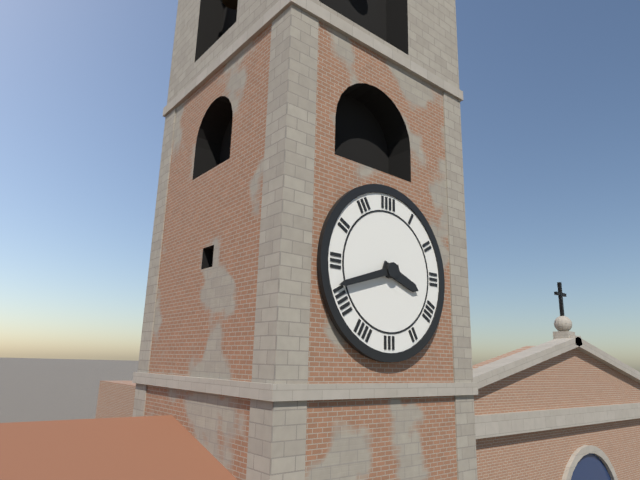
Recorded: 3.42
